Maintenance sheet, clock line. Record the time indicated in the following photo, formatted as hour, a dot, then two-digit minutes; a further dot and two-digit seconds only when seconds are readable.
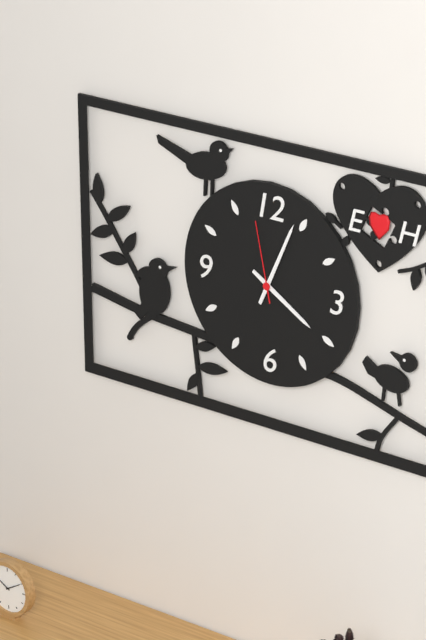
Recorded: 4.04.58
